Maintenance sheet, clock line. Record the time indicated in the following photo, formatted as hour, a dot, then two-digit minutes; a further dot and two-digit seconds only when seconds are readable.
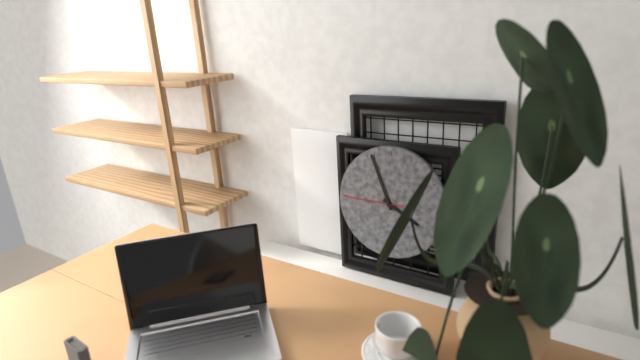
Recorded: 3.56.45
